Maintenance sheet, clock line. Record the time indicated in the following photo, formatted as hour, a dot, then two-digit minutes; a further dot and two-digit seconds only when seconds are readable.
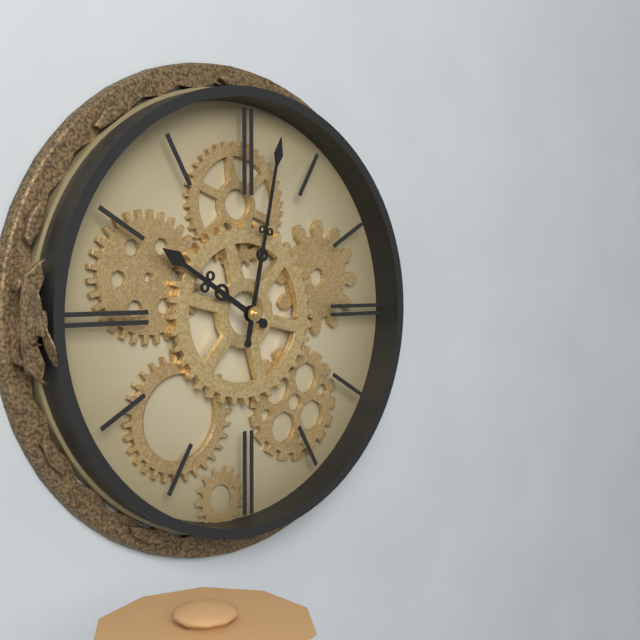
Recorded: 10.02
